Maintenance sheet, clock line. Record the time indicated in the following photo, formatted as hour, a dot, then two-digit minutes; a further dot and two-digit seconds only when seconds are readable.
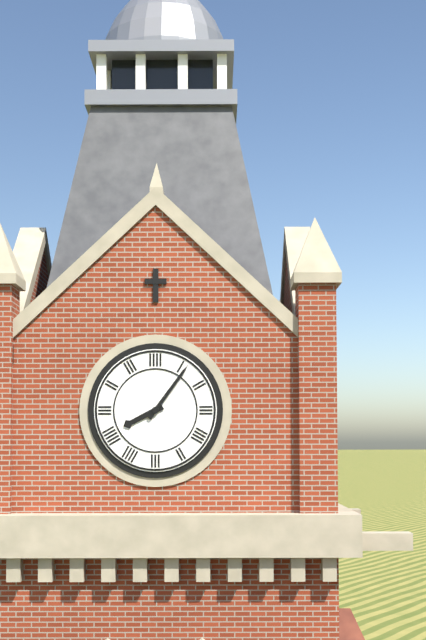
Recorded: 8.06
